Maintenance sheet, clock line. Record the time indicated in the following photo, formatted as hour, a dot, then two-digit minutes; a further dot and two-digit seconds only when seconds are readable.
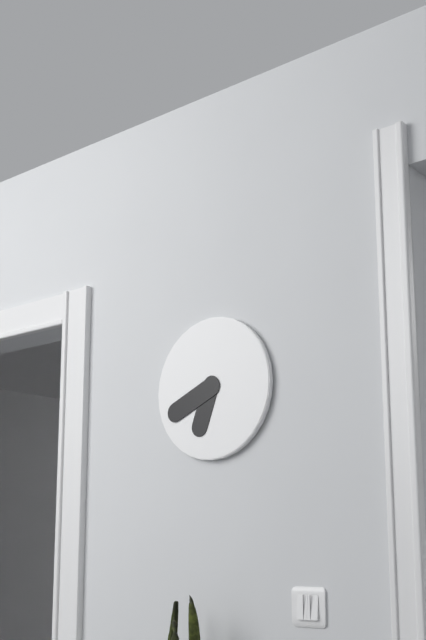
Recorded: 6.41
